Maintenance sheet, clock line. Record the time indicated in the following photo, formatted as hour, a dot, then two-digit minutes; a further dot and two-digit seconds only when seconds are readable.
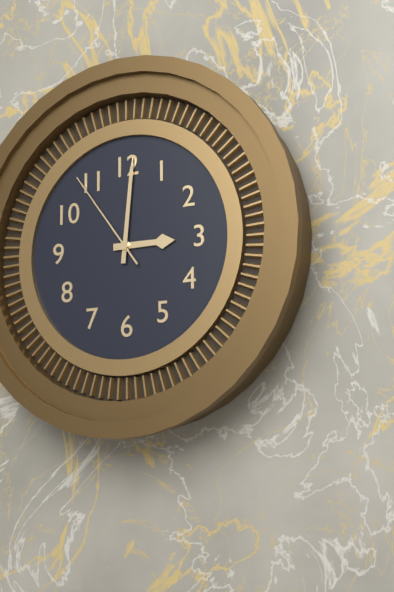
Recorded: 3.01.54
